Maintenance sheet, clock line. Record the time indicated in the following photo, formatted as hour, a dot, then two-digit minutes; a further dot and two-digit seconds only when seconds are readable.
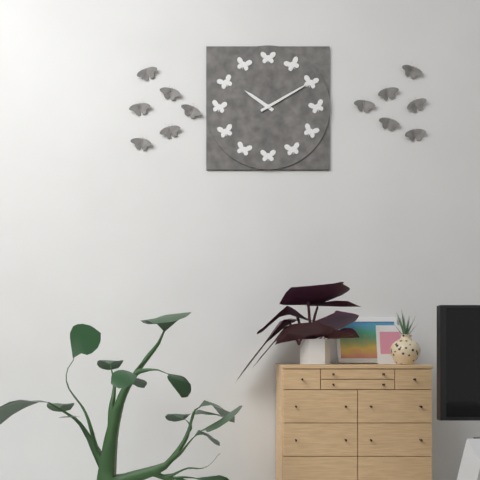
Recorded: 10.10
